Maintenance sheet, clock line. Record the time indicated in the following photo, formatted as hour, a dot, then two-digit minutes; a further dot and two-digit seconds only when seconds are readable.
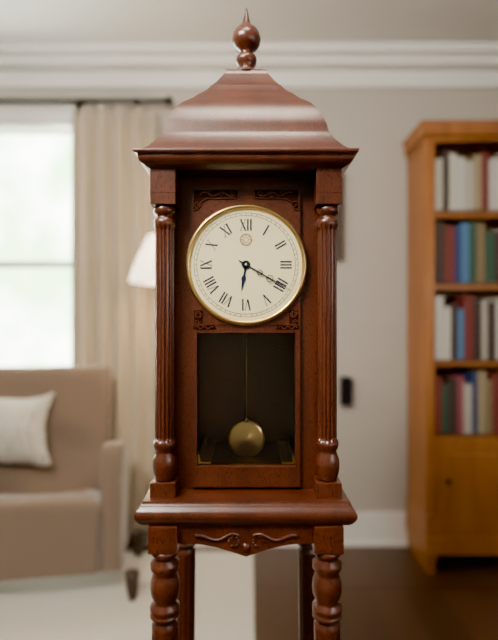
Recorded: 6.20
